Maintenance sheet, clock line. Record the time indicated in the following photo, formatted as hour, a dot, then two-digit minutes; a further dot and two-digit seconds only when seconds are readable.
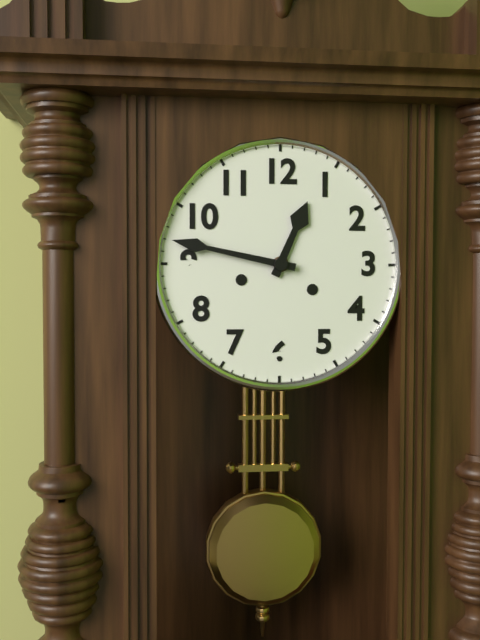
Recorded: 12.47
